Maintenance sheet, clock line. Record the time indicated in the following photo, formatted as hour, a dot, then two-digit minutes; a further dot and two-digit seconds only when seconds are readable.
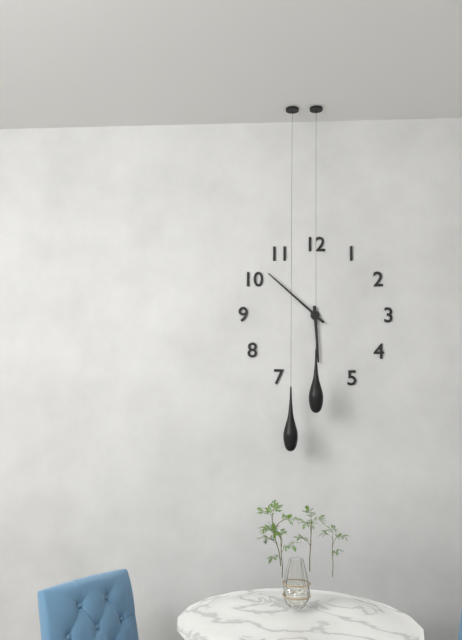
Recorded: 5.52
